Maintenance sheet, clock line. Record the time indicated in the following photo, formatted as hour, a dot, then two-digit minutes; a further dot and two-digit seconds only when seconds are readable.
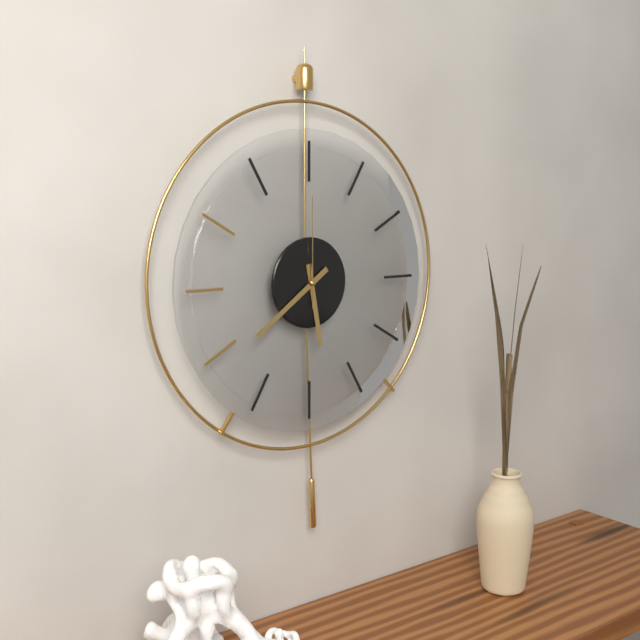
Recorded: 5.39.00
